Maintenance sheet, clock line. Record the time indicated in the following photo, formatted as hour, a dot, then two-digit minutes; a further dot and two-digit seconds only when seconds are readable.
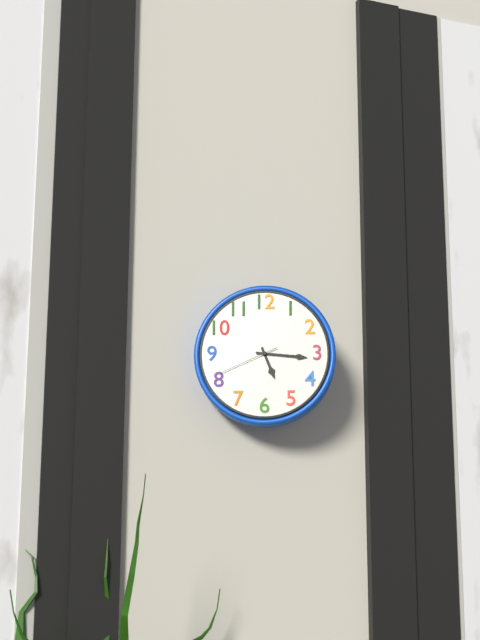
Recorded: 5.16.41
